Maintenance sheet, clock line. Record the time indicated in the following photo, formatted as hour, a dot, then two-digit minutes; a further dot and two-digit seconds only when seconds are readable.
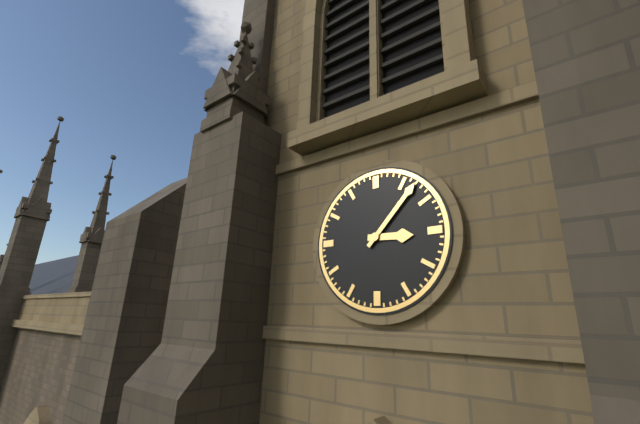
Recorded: 3.07
